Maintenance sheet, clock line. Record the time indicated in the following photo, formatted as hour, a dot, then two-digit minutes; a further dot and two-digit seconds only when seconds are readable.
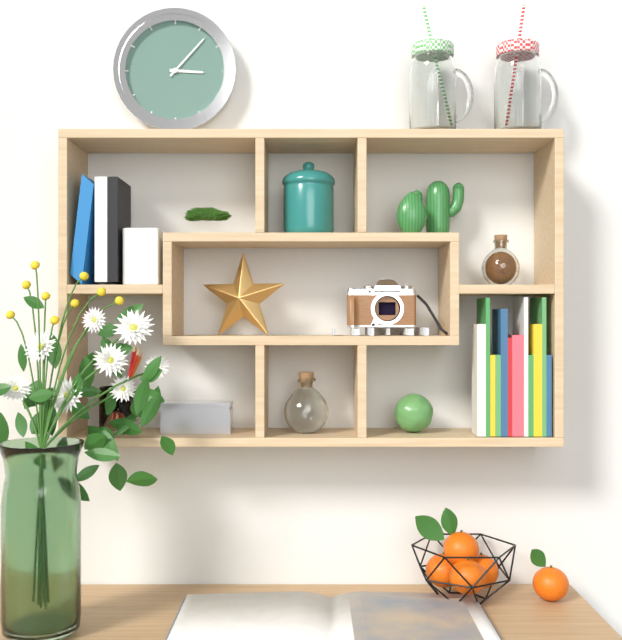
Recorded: 3.07
